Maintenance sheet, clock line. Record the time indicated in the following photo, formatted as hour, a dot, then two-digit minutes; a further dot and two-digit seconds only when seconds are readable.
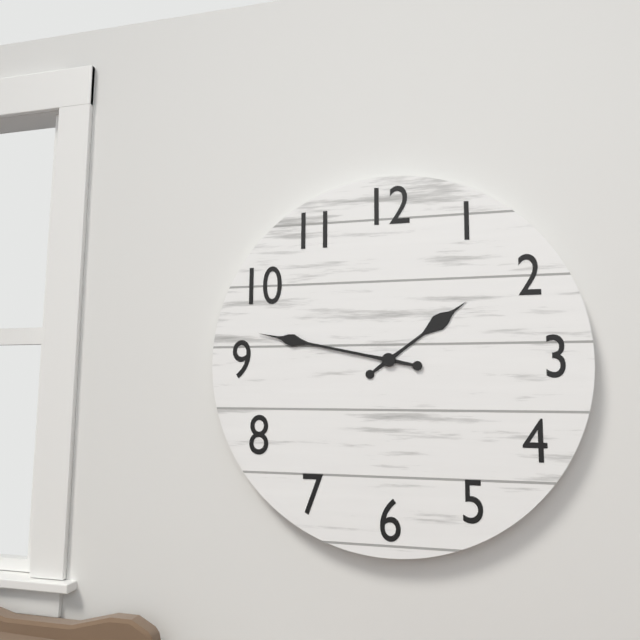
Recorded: 1.47
